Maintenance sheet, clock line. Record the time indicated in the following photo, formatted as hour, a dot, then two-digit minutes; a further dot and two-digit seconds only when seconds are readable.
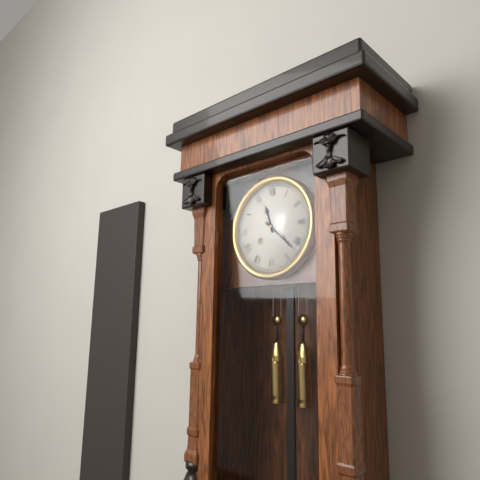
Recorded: 11.22
